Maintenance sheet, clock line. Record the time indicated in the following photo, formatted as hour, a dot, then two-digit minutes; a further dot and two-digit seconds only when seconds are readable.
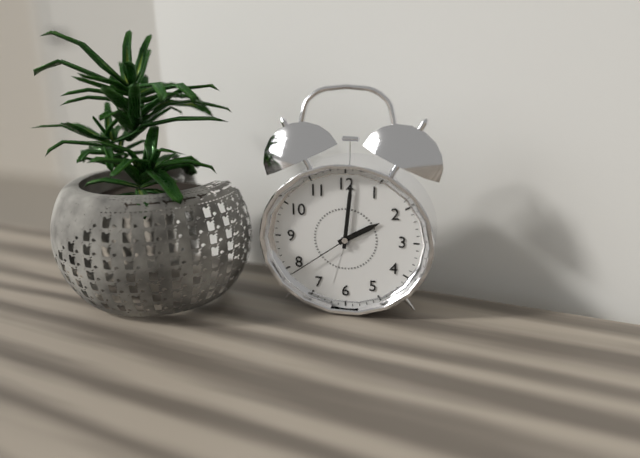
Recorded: 2.01.39
